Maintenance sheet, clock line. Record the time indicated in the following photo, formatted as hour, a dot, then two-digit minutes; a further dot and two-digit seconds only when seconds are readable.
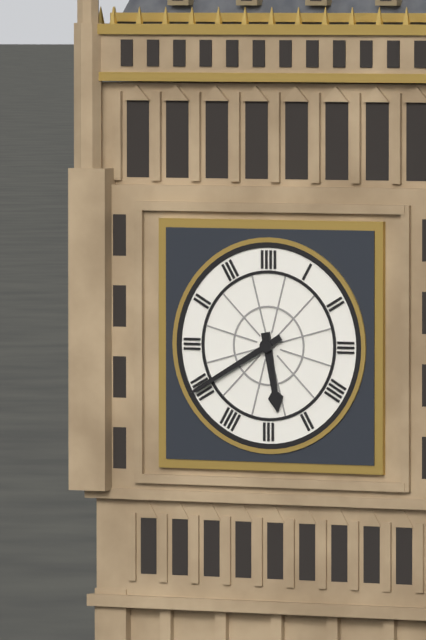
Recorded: 5.40
